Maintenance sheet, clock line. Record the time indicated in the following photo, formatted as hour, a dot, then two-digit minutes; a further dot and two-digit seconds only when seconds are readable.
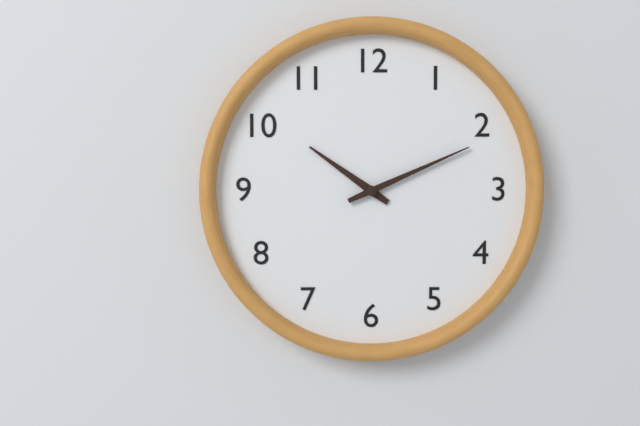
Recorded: 10.11
